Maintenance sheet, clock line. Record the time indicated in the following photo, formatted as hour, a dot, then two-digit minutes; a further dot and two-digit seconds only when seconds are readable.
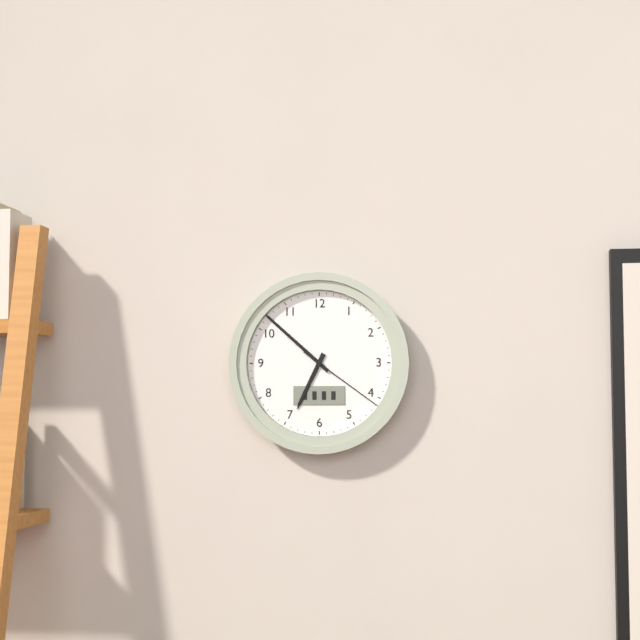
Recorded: 6.52.21
